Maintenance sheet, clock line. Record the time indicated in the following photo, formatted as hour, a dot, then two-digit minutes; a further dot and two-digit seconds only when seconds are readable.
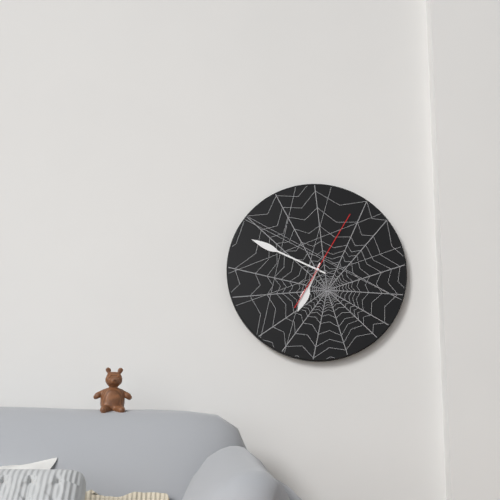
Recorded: 6.49.05
